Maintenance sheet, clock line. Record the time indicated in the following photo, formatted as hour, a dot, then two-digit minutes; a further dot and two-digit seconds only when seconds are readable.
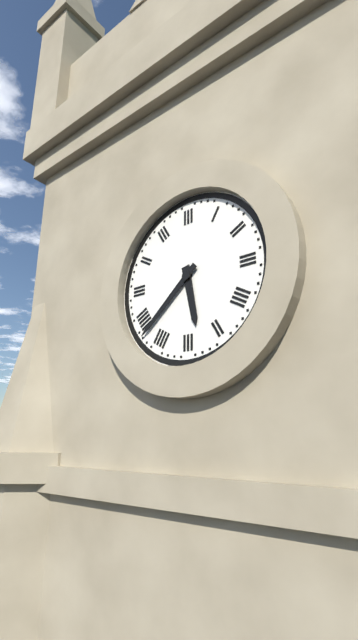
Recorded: 5.38
